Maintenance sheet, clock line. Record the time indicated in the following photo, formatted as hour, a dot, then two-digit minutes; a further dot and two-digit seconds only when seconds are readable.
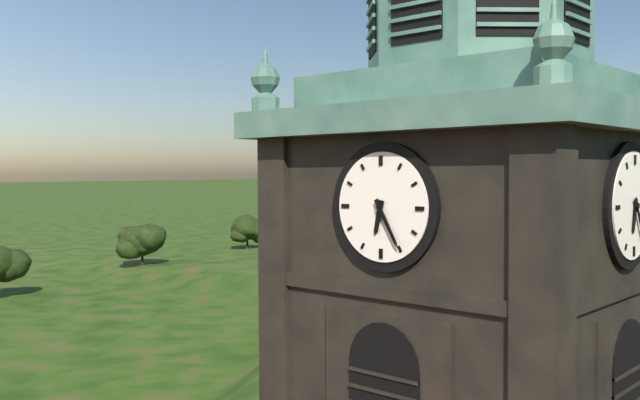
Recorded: 6.25
